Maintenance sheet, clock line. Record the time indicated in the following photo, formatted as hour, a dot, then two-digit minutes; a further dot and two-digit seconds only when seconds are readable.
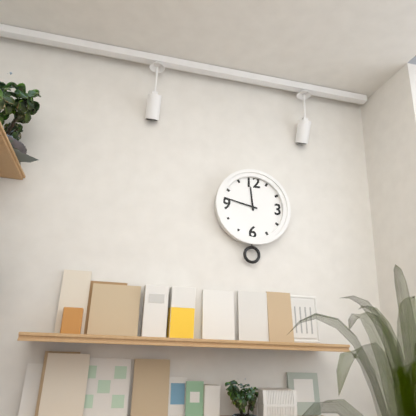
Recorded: 11.47
